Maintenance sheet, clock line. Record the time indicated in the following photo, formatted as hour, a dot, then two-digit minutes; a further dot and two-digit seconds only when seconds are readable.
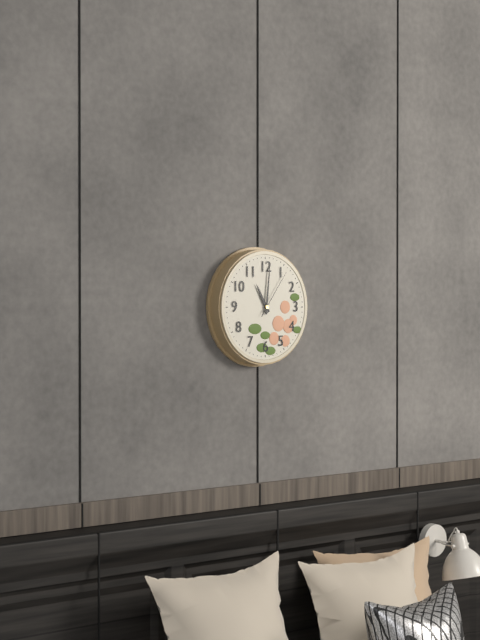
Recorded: 11.01.06
